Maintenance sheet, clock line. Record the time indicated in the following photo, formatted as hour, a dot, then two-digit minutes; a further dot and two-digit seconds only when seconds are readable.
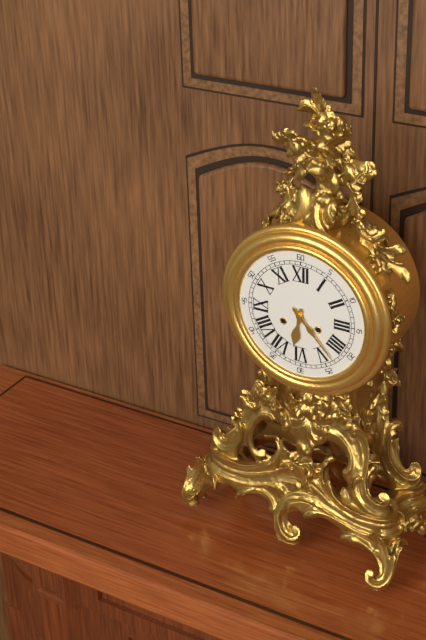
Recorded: 6.23
